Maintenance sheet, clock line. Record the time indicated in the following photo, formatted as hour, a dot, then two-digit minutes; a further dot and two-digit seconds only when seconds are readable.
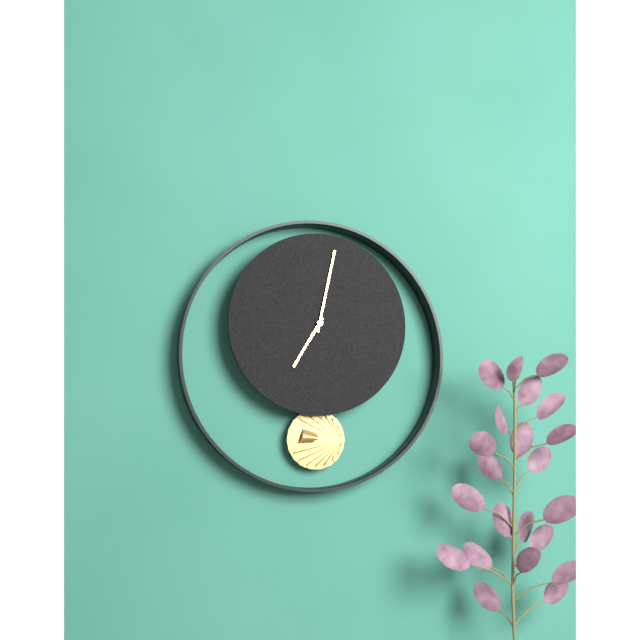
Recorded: 7.02
